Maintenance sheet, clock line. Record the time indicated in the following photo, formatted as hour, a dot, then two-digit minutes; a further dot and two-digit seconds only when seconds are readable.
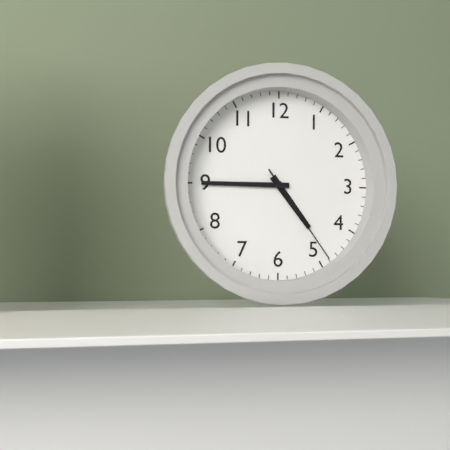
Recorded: 4.45.24
